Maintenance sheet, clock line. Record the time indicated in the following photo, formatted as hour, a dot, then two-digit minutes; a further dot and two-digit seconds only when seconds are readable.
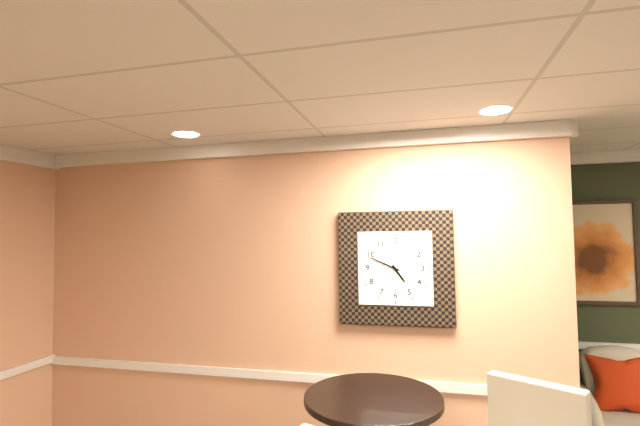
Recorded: 4.49
